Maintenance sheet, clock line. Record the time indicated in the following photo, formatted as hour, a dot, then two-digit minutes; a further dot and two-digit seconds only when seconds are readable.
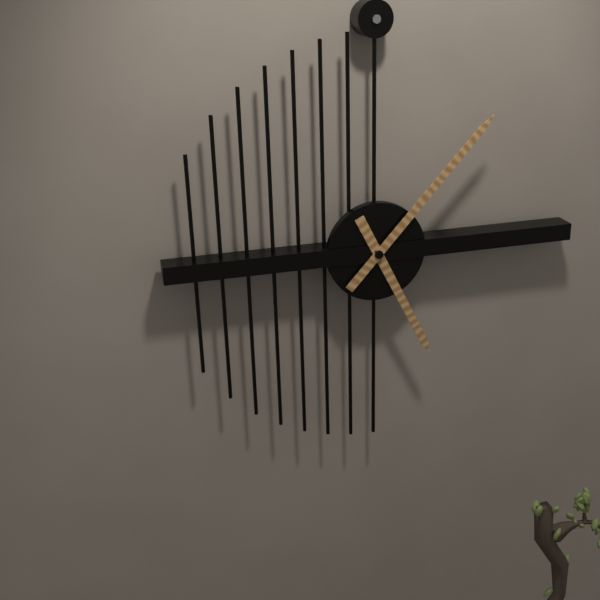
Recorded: 5.07
